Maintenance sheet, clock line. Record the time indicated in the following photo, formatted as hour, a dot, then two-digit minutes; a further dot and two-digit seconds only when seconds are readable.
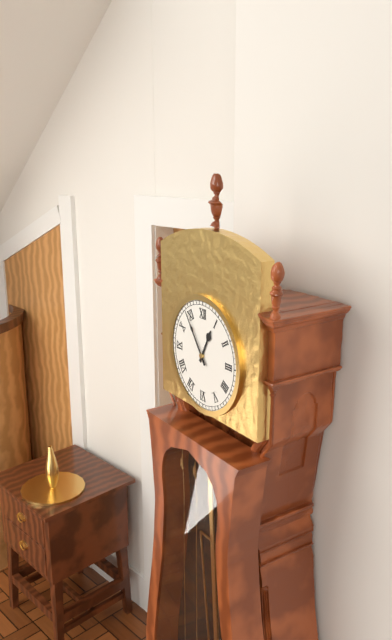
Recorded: 12.54
